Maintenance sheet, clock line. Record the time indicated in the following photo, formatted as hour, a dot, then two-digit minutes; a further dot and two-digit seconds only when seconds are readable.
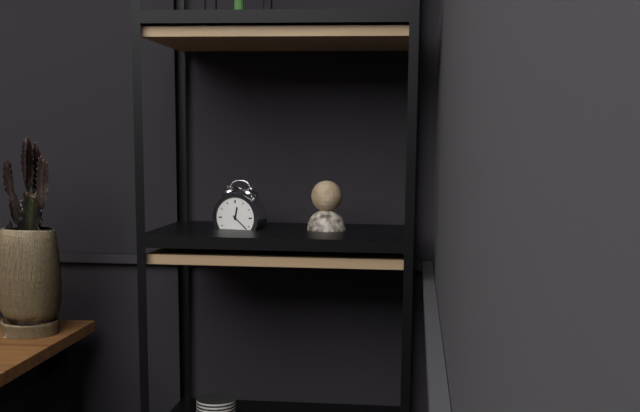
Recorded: 12.22
